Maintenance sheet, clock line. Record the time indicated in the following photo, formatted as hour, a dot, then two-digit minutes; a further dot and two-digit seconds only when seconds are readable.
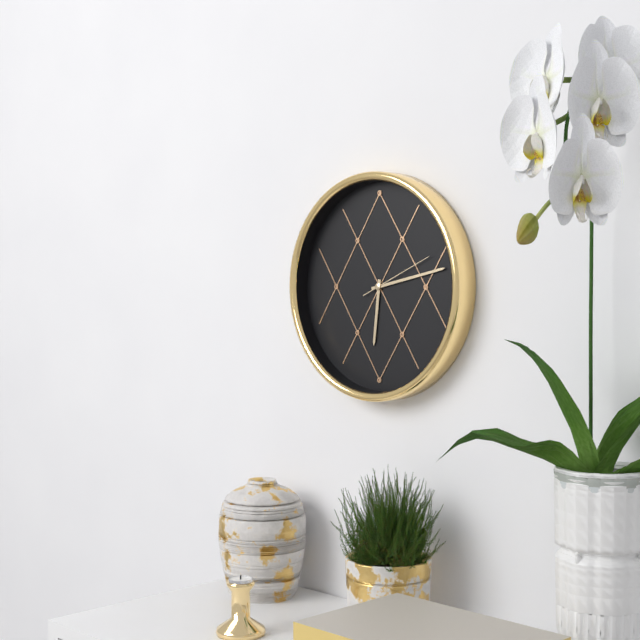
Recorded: 6.13.11
